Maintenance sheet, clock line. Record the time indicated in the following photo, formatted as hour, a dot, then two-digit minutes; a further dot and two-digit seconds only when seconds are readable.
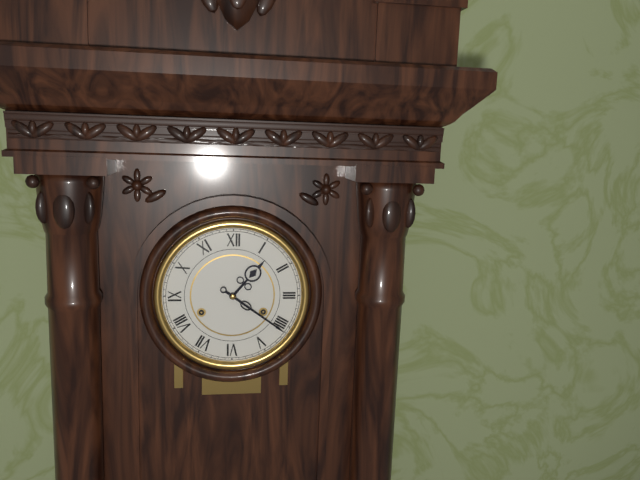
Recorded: 1.21
